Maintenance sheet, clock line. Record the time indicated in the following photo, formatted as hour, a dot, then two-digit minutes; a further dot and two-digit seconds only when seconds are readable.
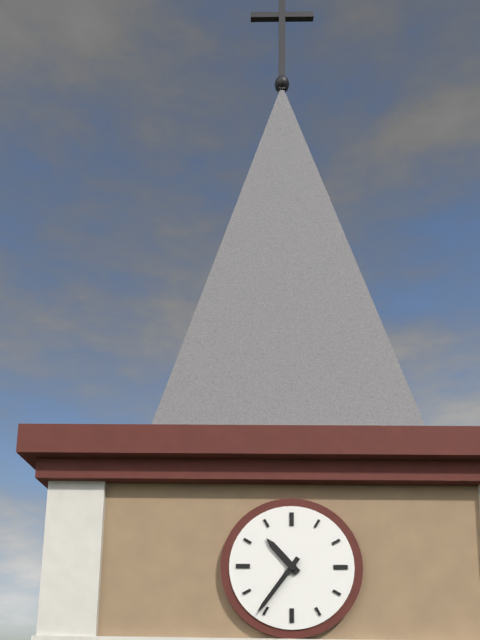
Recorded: 10.36
